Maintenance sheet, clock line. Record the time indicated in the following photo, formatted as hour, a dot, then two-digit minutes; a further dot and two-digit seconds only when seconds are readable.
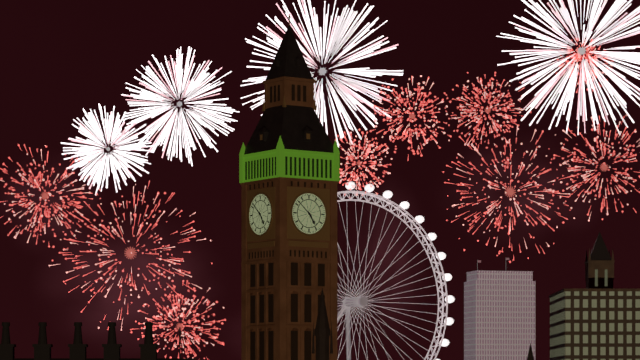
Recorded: 4.52
